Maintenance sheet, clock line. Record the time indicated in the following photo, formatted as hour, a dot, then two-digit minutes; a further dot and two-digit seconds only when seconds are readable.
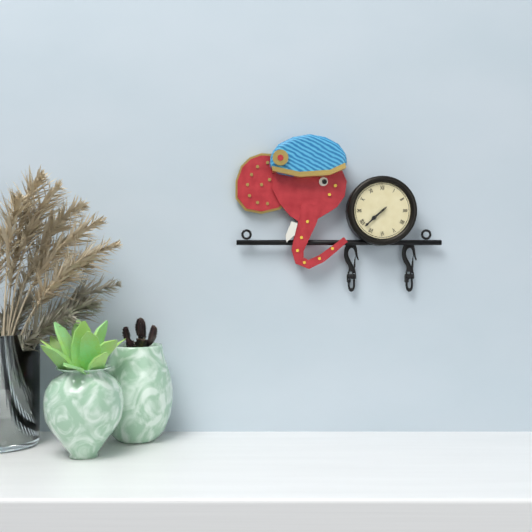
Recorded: 7.38
